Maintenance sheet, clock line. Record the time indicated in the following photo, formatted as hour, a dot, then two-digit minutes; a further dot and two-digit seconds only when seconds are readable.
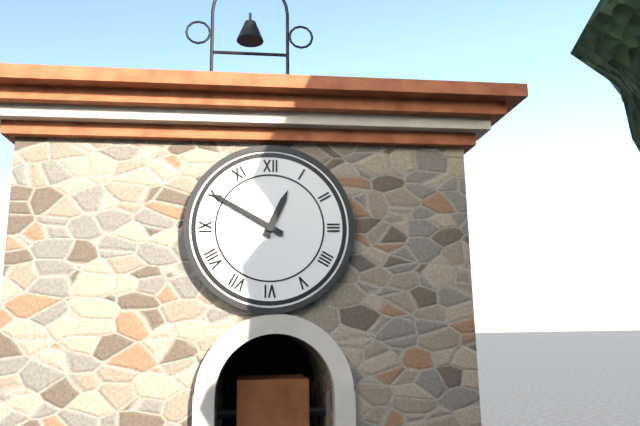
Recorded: 12.50
